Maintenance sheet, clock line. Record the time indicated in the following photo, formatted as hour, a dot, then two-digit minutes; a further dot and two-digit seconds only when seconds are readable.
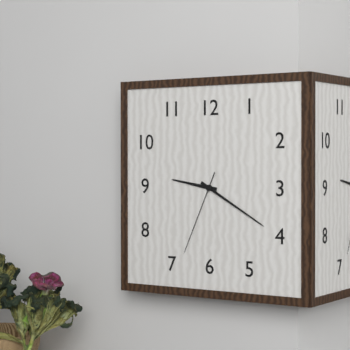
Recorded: 9.20.34
